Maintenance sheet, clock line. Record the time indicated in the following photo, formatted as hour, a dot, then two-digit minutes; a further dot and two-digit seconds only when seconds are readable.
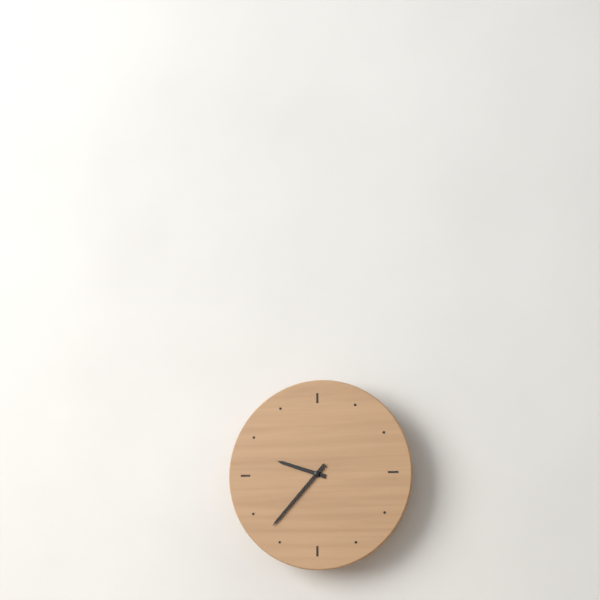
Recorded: 9.37
